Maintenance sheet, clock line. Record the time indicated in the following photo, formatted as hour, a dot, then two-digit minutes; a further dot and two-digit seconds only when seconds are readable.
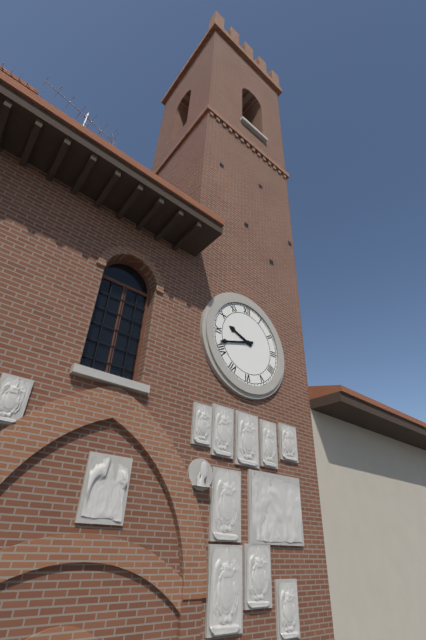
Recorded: 9.42
